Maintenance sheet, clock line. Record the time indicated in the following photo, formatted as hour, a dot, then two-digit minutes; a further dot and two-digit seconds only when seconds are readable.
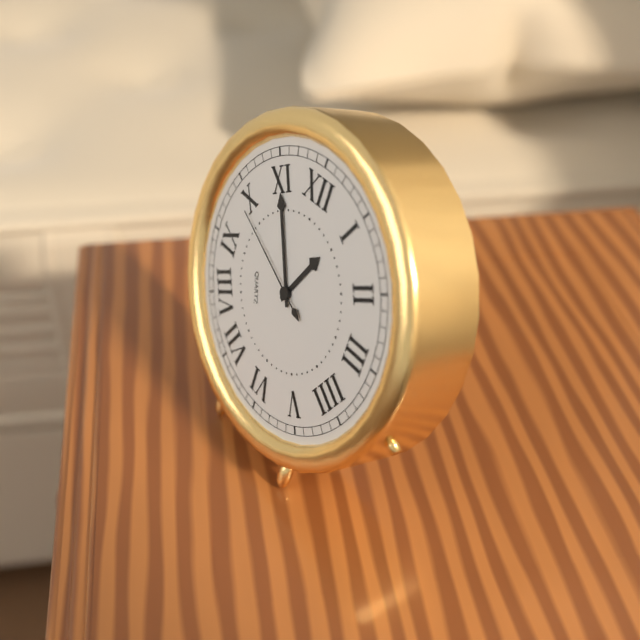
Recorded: 12.55.49
